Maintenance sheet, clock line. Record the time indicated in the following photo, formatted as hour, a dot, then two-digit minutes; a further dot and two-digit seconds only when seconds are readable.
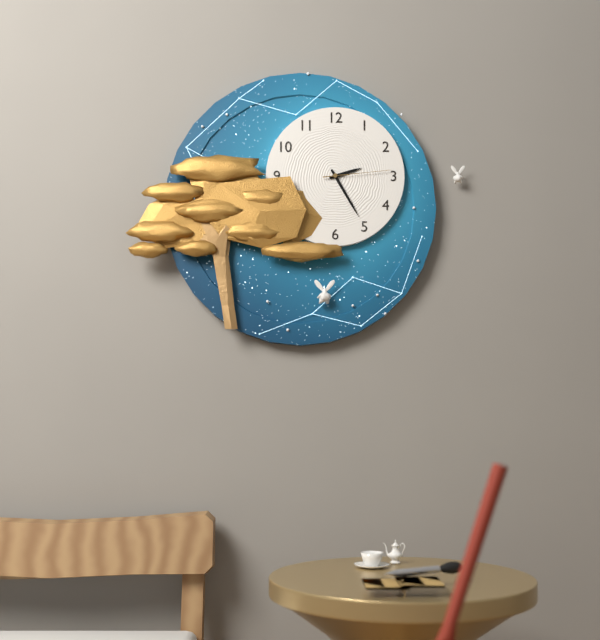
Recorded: 2.25.14
